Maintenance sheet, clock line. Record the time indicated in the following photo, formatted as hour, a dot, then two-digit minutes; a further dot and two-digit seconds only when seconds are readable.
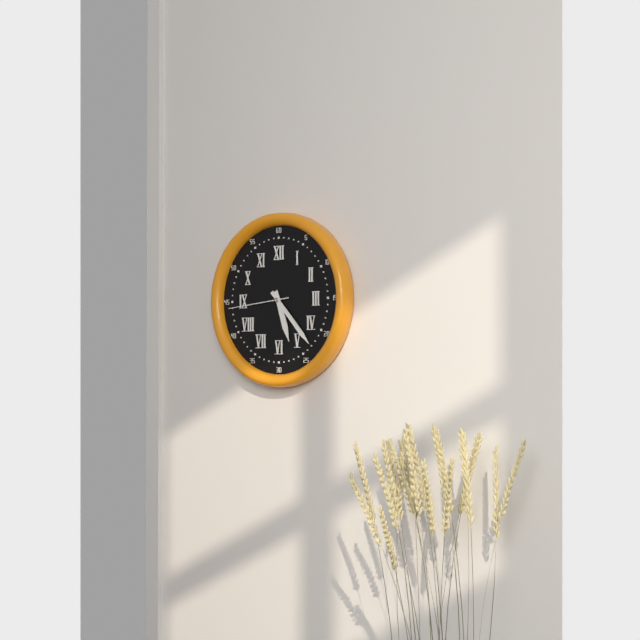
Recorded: 5.23.44
